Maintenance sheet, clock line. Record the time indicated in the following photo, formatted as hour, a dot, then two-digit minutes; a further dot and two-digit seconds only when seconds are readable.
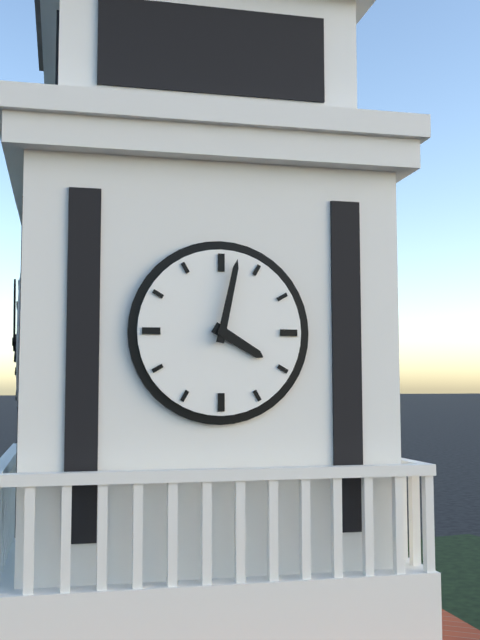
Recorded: 4.02
